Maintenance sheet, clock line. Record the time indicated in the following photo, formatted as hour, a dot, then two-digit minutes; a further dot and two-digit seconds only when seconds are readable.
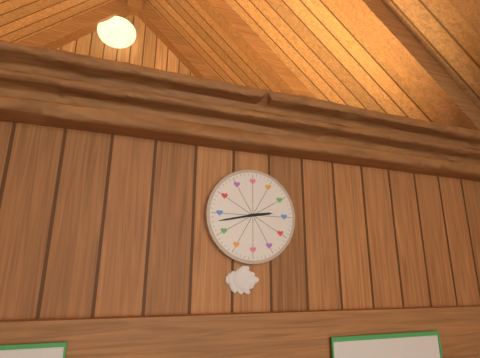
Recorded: 2.43
